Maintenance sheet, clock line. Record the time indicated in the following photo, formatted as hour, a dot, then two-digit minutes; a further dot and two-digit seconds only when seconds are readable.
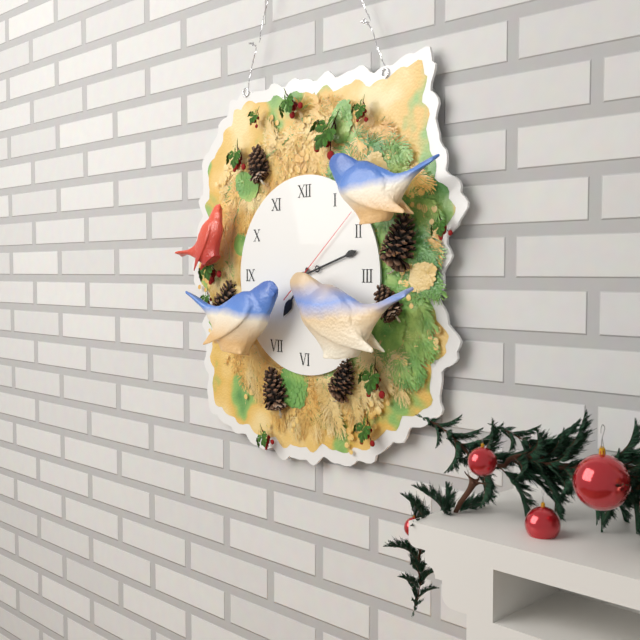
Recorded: 7.12.08
